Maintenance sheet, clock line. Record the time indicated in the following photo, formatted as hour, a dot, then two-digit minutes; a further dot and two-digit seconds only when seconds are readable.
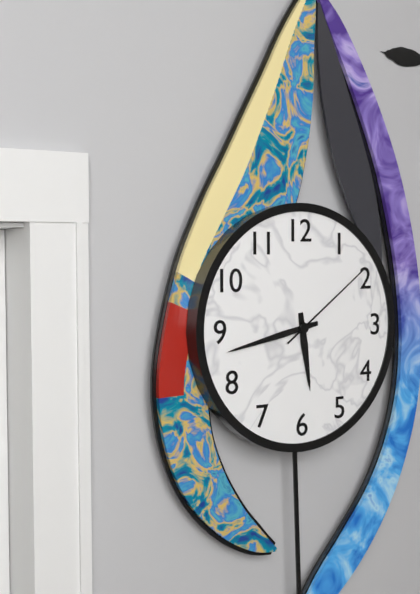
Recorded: 5.43.09
